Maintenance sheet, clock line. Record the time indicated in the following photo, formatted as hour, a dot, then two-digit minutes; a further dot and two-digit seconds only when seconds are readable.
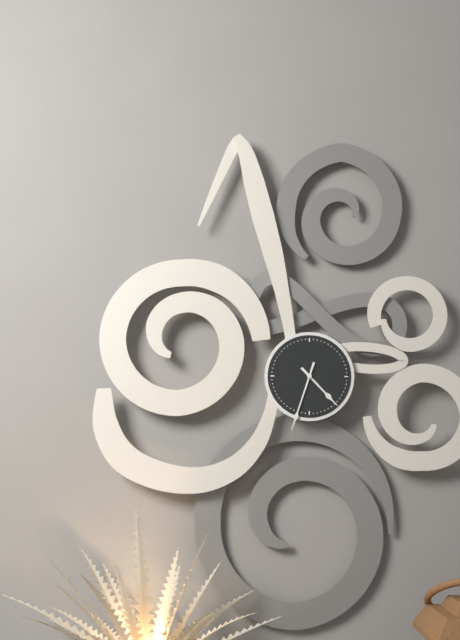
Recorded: 4.33
